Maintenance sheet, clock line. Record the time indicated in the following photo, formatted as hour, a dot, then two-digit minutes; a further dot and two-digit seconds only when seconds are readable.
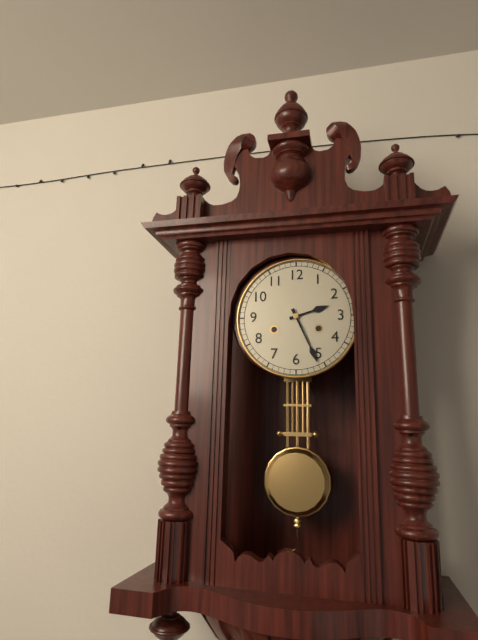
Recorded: 2.26
